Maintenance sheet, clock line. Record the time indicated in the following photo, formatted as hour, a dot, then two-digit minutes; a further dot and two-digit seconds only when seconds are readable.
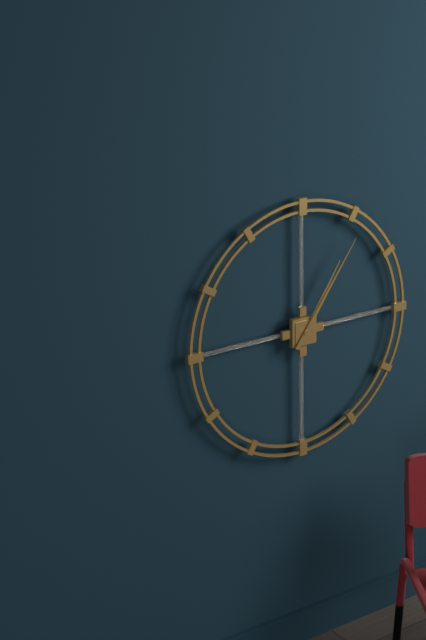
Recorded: 1.06
